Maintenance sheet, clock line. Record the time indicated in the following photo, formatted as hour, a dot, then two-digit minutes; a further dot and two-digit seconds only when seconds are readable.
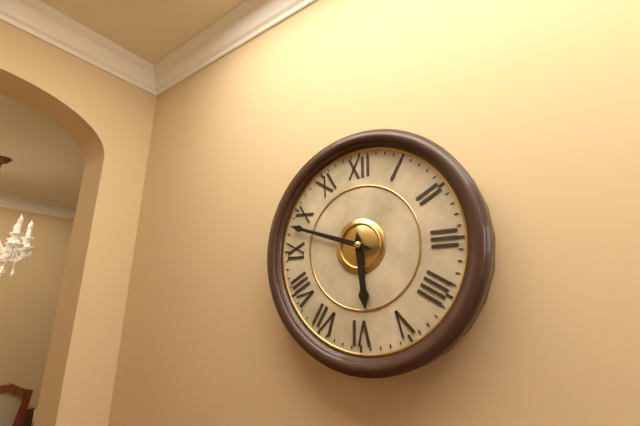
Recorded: 5.48
